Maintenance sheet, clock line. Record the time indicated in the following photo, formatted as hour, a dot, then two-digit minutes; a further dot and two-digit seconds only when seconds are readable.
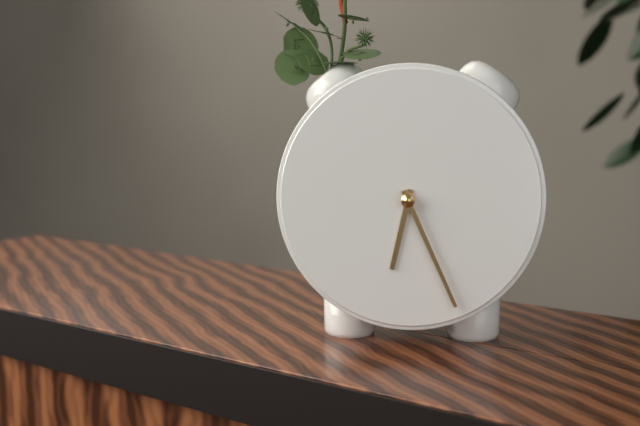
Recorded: 6.26
